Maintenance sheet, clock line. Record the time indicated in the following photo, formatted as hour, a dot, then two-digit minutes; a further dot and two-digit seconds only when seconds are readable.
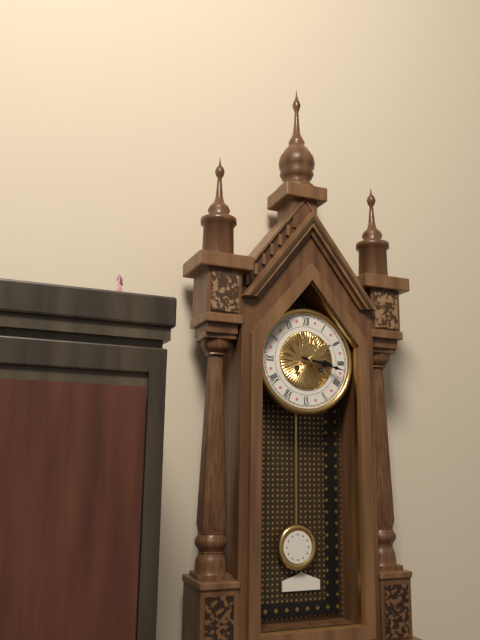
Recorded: 3.17
